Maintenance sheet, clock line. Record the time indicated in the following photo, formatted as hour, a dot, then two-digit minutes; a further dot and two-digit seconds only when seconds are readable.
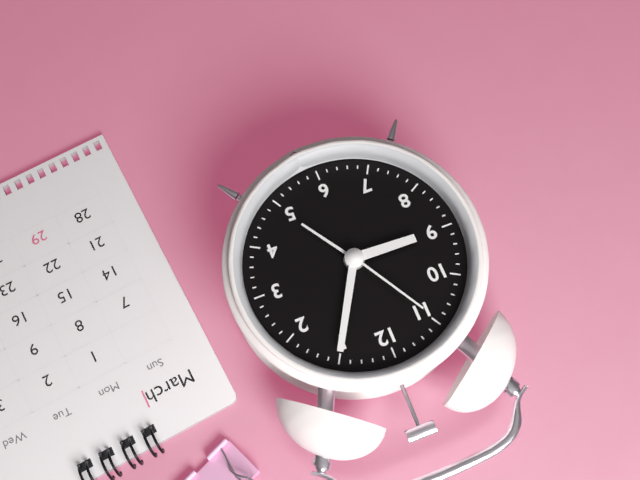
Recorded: 9.05.55
